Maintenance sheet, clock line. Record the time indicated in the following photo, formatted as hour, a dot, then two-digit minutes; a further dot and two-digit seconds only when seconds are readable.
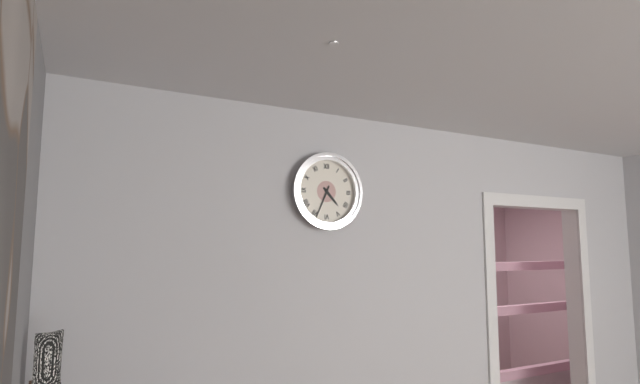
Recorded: 4.34
